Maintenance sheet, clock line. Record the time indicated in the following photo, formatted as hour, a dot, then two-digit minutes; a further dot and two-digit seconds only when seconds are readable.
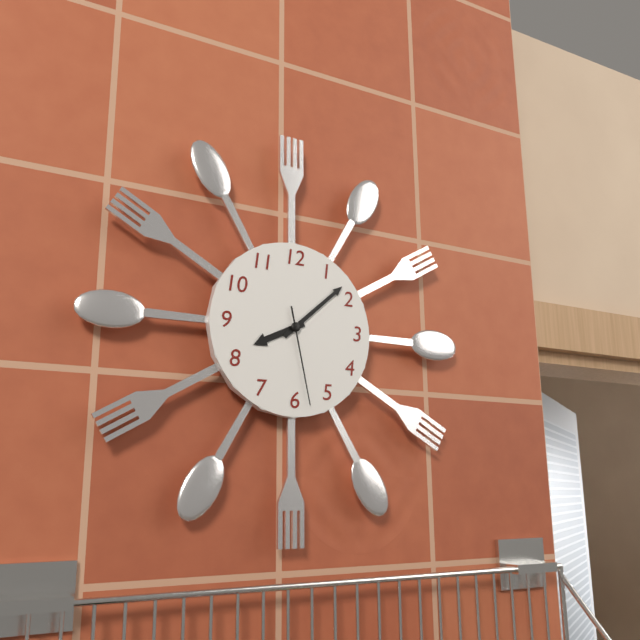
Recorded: 8.08.28
